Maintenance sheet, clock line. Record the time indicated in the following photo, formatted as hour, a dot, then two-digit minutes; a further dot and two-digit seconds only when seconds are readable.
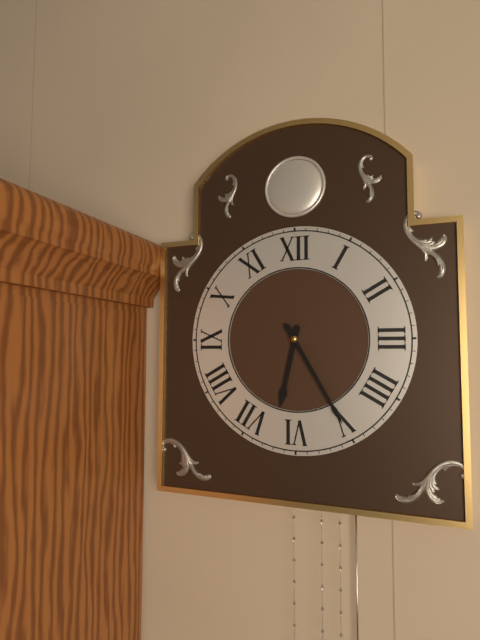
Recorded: 6.25
